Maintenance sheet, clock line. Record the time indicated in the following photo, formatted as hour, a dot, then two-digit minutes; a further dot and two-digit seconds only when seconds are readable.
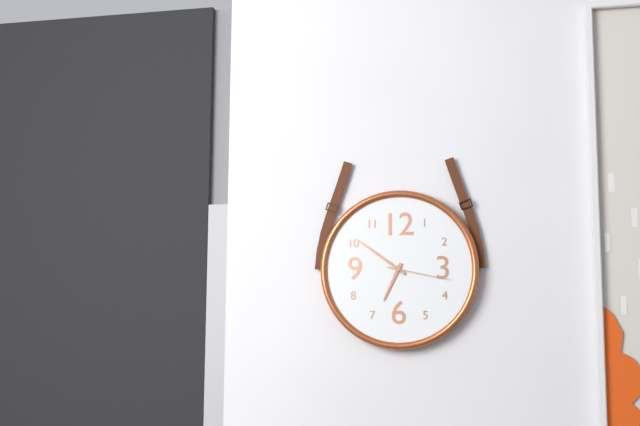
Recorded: 6.51.17
